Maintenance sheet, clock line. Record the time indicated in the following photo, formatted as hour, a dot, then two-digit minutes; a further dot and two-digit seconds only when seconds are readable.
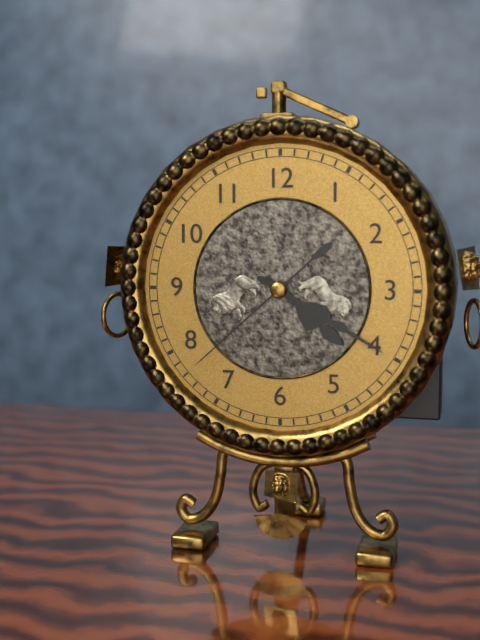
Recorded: 4.20.38
